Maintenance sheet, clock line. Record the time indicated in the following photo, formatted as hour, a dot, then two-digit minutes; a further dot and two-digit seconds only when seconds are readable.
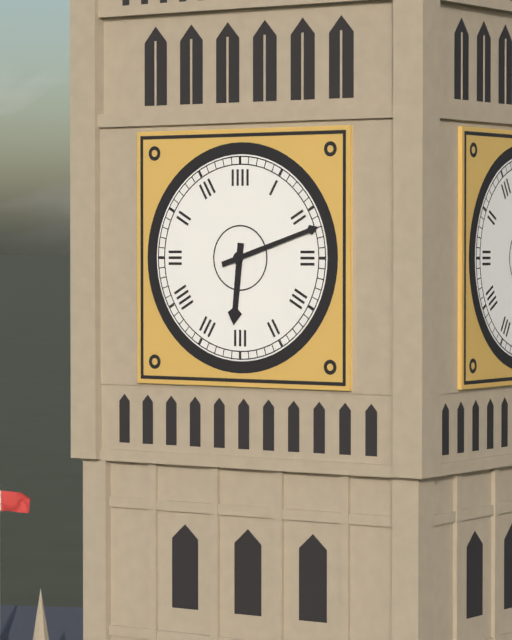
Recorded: 6.12
